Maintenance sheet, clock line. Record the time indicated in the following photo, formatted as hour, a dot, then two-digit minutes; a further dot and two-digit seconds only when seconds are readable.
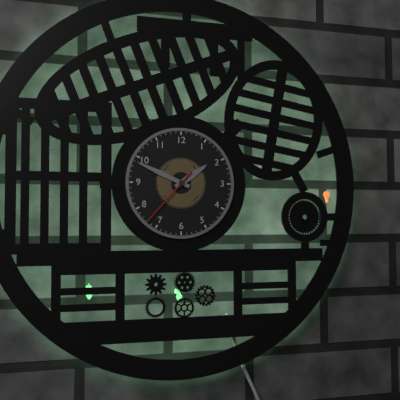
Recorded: 1.49.37
